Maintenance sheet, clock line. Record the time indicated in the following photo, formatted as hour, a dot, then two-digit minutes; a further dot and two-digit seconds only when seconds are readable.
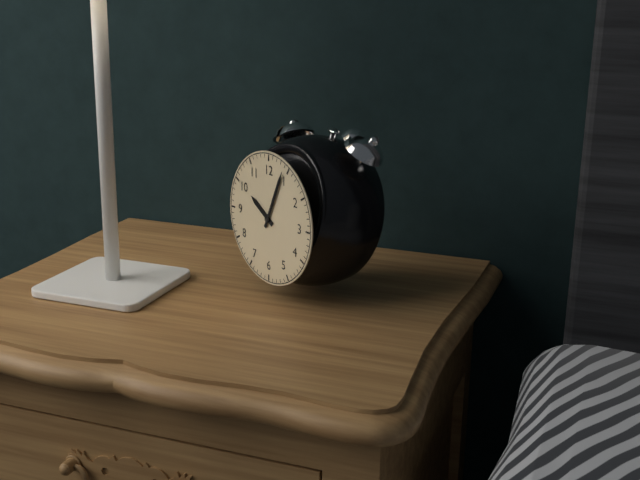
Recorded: 10.04
